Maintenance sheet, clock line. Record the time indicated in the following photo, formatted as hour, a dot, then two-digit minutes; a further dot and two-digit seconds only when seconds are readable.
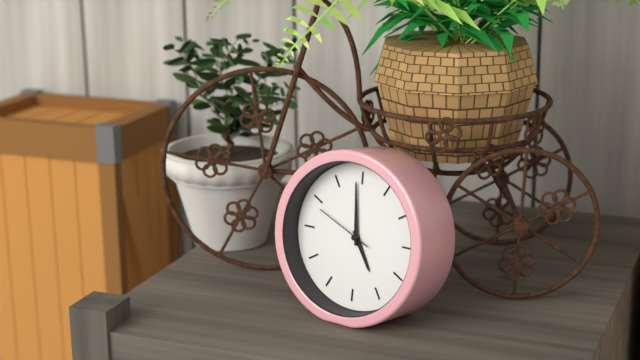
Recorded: 4.59.49
